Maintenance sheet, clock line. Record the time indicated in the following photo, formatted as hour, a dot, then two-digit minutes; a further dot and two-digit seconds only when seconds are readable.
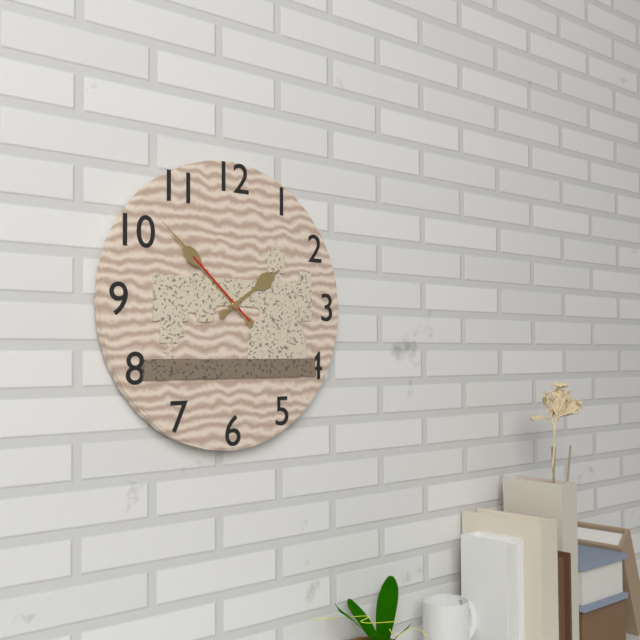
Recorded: 1.52.52
